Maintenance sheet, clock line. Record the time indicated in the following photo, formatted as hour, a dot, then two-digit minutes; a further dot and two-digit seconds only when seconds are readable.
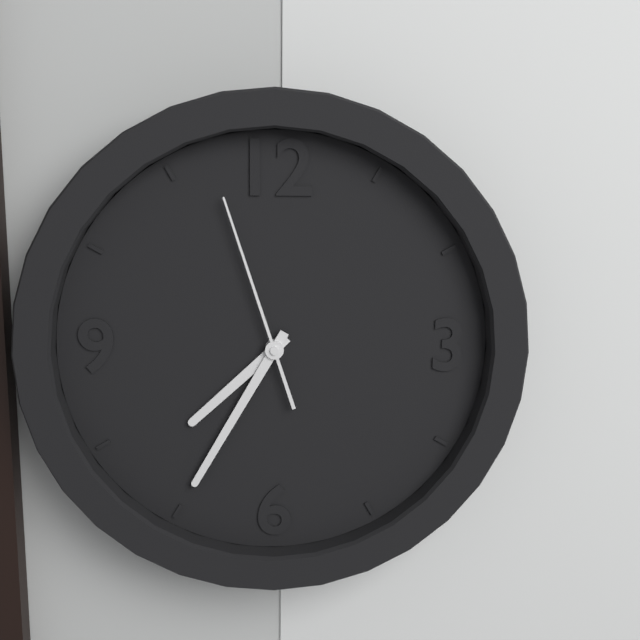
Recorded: 7.35.57
